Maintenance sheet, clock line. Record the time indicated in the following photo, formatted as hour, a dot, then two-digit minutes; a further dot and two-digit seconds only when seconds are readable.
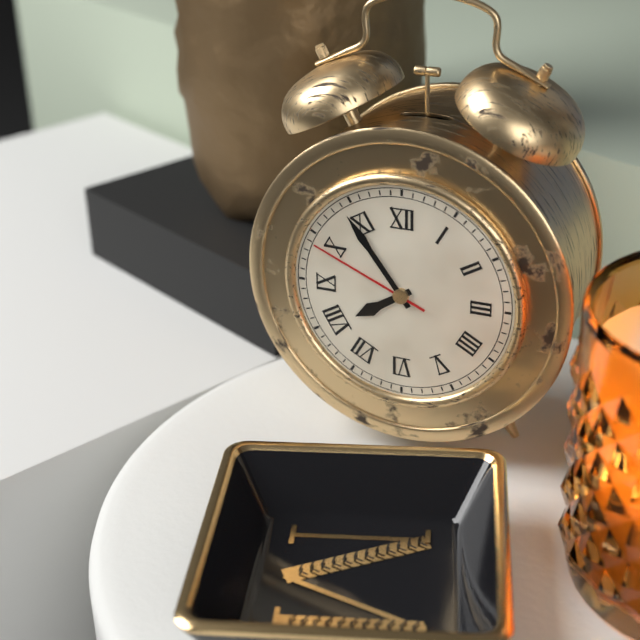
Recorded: 7.54.49
